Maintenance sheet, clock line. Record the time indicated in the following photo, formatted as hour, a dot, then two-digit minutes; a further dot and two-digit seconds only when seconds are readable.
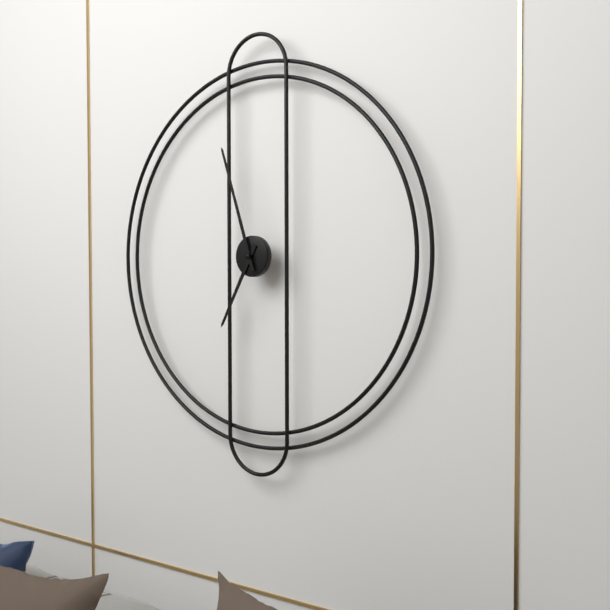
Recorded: 6.57
